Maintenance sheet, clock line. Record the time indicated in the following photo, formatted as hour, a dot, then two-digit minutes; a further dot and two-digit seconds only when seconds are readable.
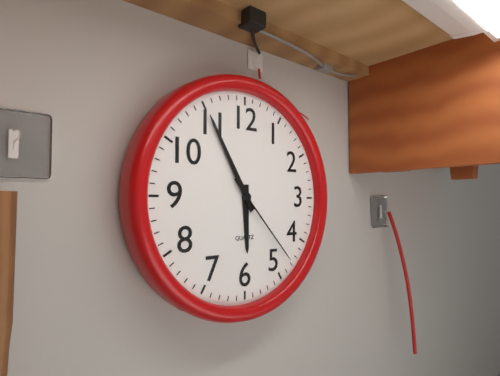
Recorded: 5.55.23
